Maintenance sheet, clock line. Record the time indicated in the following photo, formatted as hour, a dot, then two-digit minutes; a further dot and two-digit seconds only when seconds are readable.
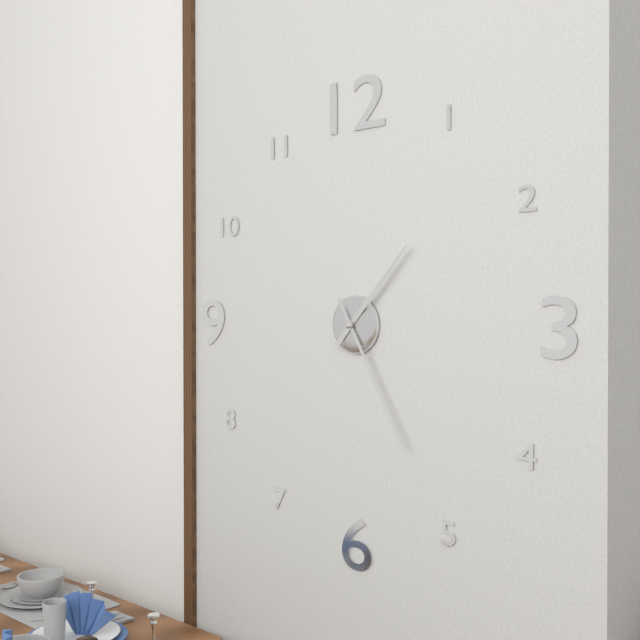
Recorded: 1.25
